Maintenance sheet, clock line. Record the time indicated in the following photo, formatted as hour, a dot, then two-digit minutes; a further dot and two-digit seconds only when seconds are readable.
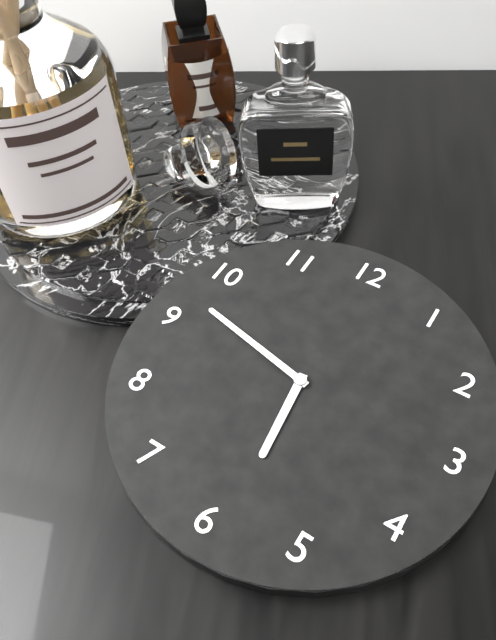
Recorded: 5.47
